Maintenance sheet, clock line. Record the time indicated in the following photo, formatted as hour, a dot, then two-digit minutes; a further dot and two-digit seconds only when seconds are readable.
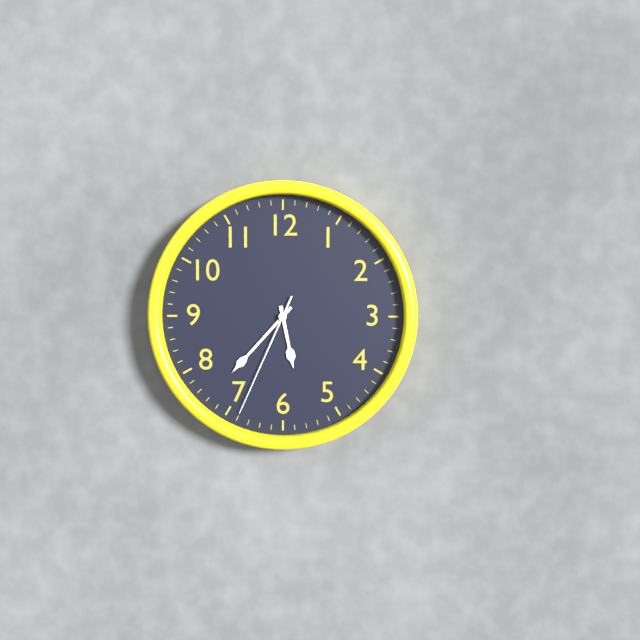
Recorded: 5.37.34
